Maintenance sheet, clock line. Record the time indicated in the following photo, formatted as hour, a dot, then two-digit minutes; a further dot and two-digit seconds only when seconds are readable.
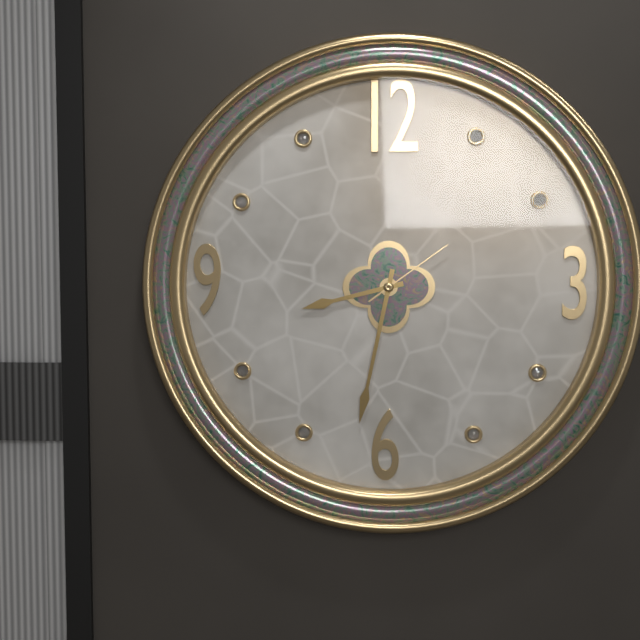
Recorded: 8.32.09
